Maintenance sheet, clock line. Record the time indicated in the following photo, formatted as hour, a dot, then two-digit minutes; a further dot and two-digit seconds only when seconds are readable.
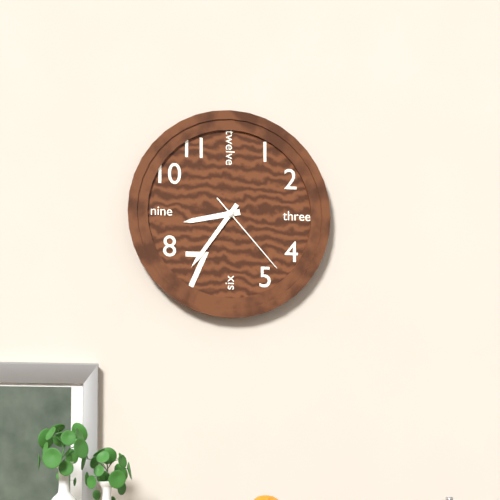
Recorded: 8.36.23
